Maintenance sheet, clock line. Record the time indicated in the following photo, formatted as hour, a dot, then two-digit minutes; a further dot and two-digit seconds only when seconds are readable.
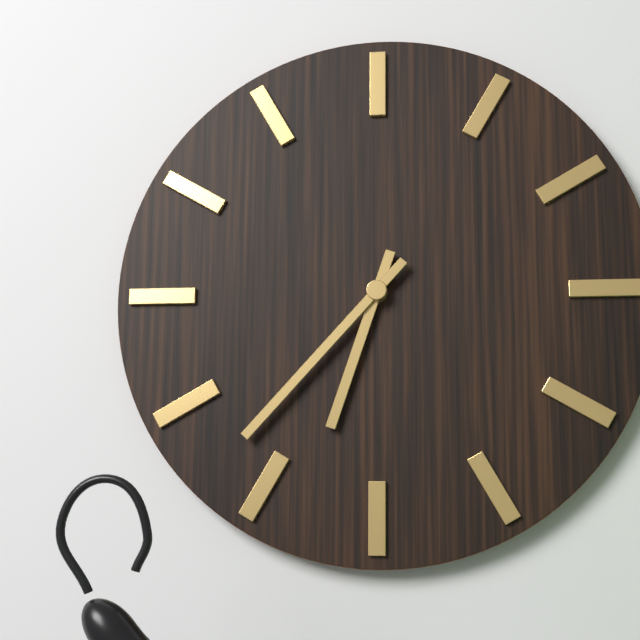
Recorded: 6.37
